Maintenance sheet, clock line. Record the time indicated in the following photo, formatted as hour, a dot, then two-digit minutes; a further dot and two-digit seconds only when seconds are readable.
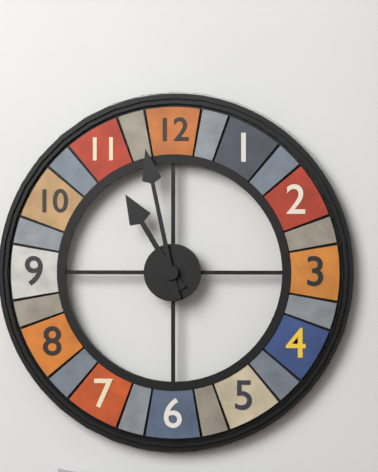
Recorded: 10.58
